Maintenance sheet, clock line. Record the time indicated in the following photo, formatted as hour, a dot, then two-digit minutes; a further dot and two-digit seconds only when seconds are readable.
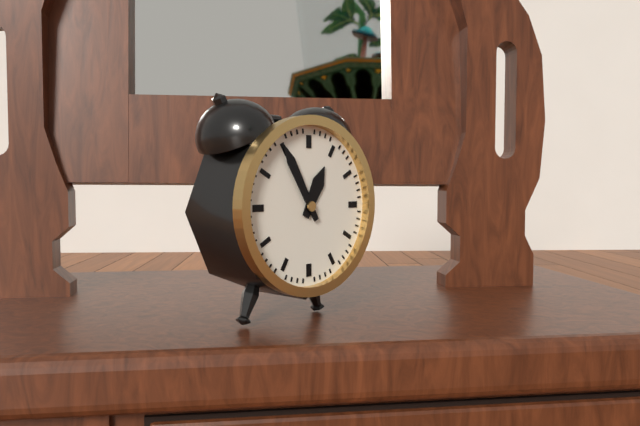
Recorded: 12.55
